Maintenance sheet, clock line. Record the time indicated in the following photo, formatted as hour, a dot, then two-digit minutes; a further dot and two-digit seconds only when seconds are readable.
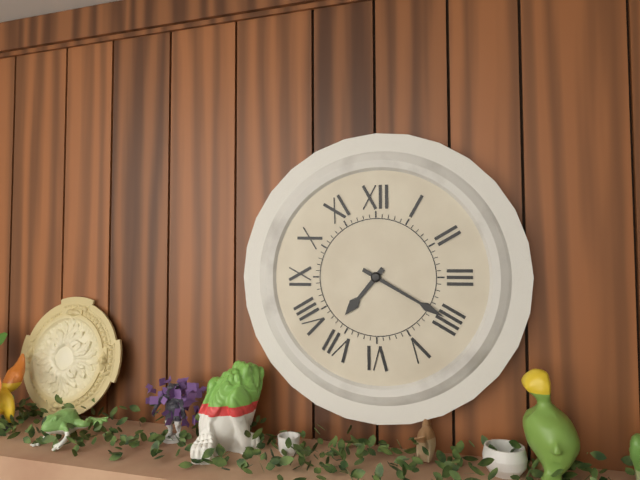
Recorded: 7.20
